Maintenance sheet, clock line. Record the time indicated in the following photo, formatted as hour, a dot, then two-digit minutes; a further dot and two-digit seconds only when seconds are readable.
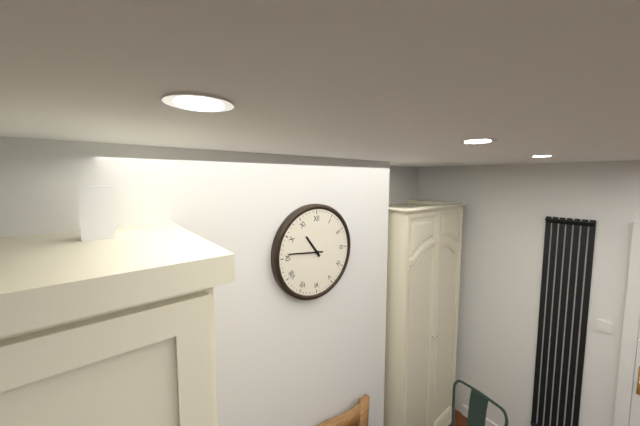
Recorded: 10.46
